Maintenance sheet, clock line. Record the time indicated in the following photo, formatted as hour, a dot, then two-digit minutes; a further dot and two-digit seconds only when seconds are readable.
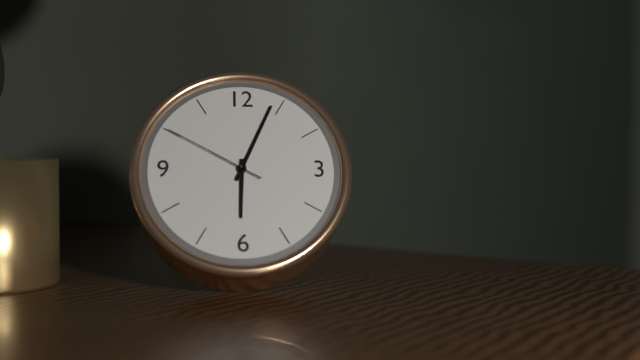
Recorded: 6.04.50
